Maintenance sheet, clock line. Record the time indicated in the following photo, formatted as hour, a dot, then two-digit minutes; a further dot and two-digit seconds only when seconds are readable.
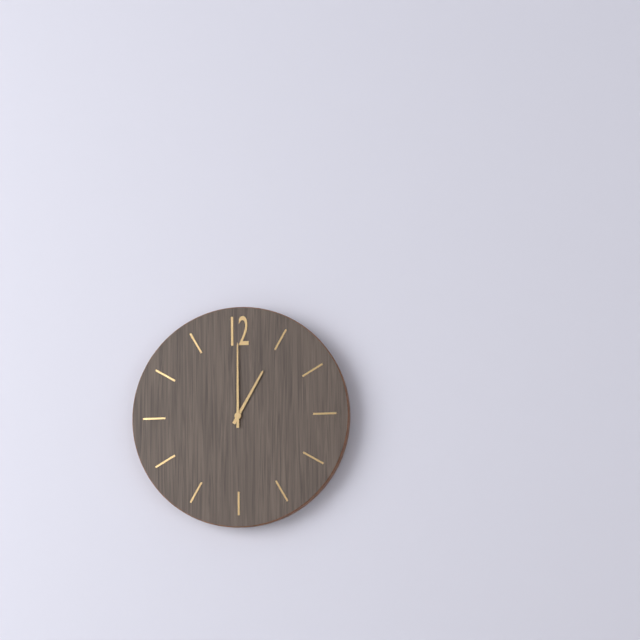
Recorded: 1.00
